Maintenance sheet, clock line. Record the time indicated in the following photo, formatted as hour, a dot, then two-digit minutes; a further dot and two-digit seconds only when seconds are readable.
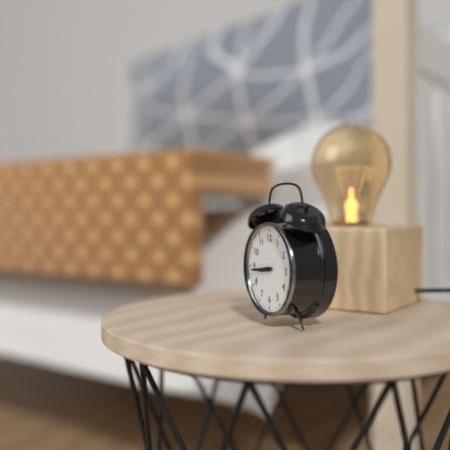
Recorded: 8.44
